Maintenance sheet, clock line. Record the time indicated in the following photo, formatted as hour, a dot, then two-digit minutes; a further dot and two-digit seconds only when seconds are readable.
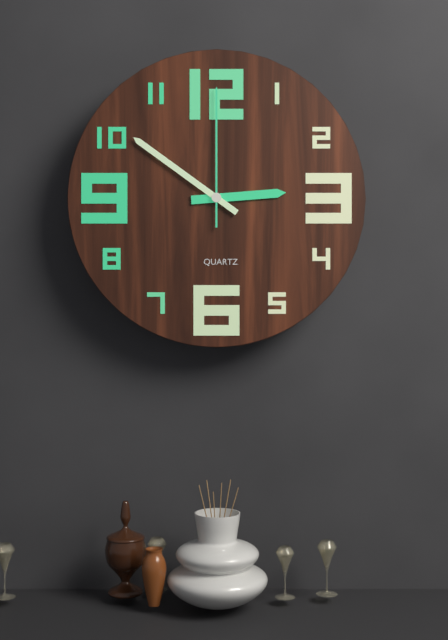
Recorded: 2.51.00
